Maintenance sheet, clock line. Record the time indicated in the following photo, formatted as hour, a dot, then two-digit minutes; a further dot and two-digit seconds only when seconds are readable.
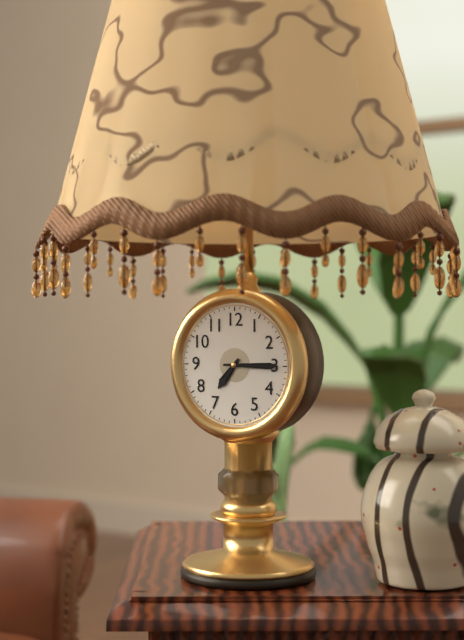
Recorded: 7.15
